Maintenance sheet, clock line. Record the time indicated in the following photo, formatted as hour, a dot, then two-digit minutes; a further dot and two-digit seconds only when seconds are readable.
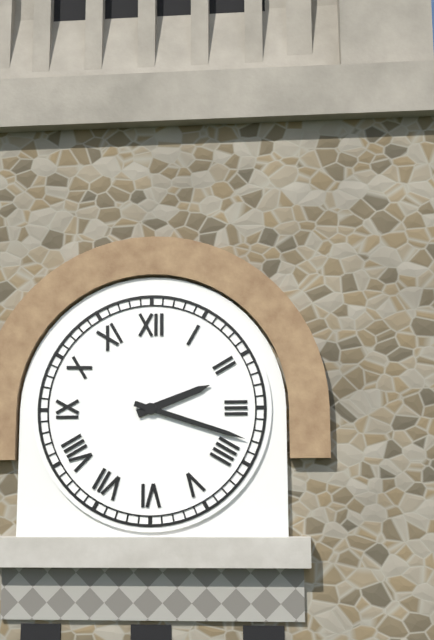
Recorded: 2.18
